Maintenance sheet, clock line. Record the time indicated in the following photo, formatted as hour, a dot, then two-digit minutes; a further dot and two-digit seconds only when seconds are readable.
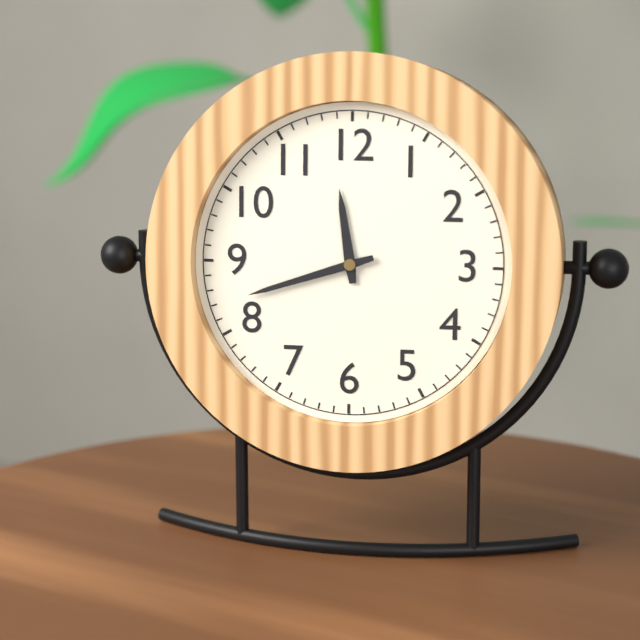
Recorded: 11.42
